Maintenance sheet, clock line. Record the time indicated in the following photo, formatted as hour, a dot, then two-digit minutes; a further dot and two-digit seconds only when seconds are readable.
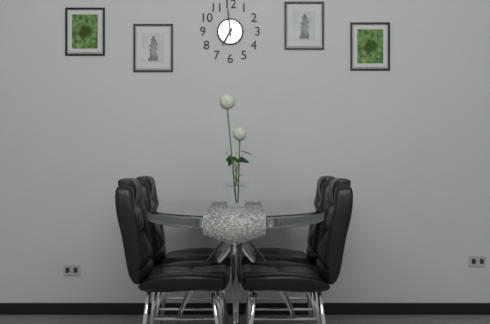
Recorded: 6.59
